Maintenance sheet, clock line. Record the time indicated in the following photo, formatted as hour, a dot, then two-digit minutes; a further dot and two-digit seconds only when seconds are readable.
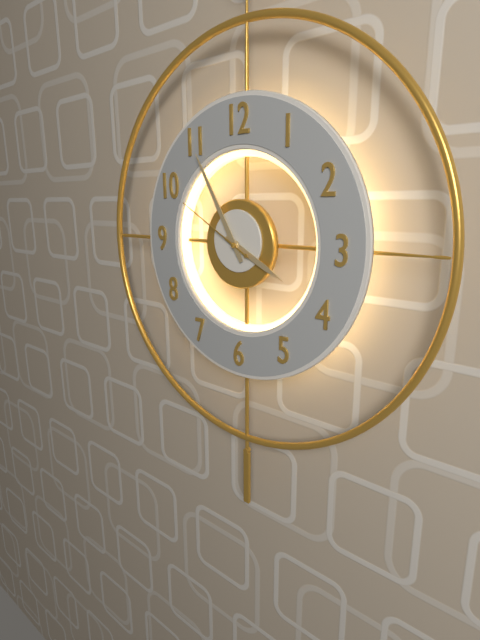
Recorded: 3.55.50
